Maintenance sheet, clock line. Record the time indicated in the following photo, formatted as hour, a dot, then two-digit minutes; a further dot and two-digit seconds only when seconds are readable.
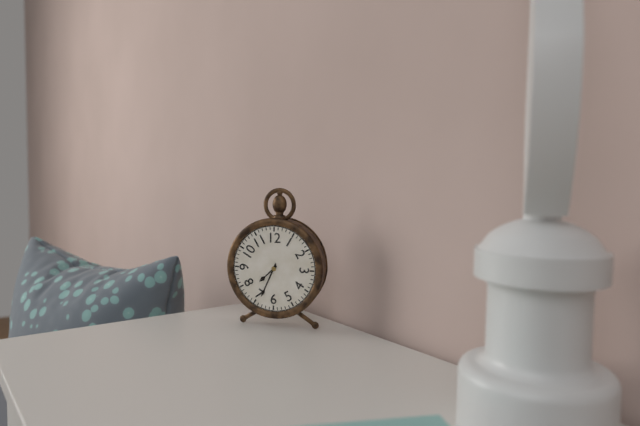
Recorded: 7.34
